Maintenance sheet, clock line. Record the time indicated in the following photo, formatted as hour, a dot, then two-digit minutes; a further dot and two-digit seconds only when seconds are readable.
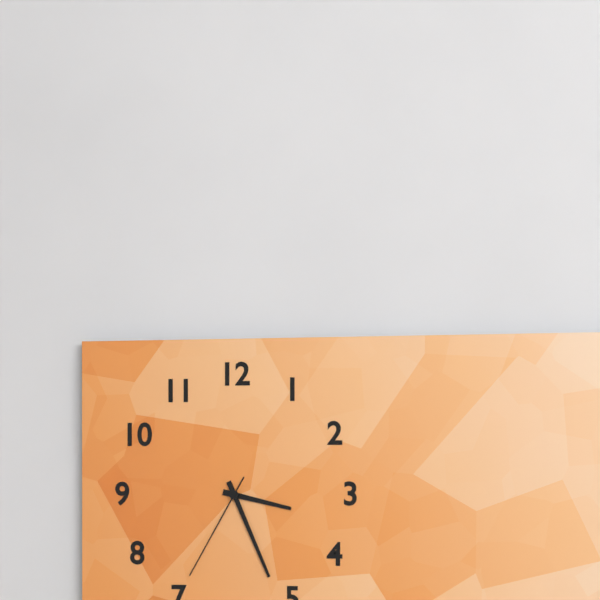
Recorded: 3.26.35
